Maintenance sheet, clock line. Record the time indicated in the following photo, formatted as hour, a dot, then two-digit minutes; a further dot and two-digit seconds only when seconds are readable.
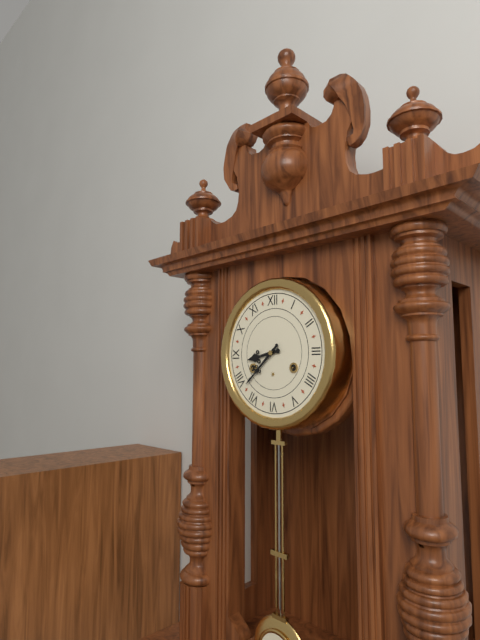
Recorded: 8.38
